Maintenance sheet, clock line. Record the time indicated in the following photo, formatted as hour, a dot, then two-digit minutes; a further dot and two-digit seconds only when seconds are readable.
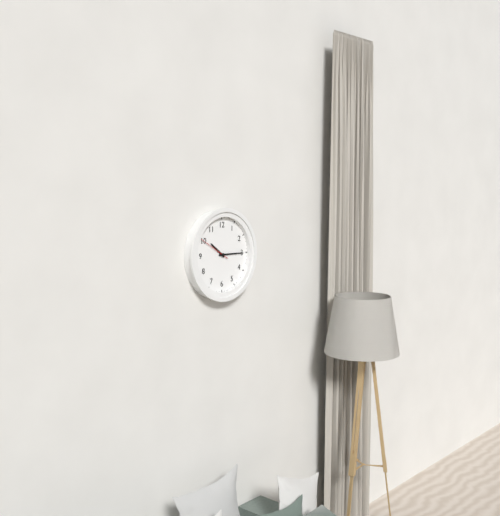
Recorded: 10.15
